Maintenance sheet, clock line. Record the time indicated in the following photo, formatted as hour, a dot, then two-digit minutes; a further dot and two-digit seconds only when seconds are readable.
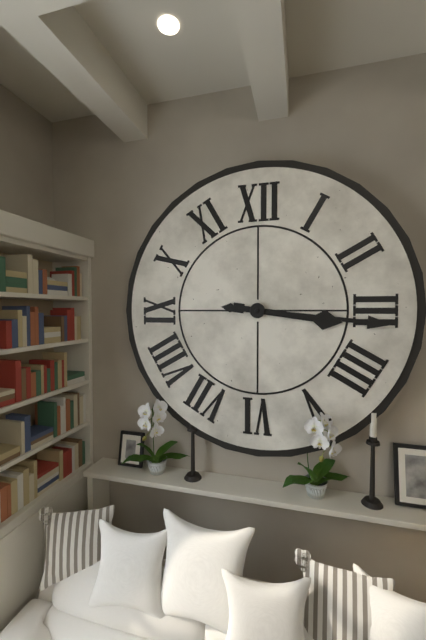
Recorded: 3.16
